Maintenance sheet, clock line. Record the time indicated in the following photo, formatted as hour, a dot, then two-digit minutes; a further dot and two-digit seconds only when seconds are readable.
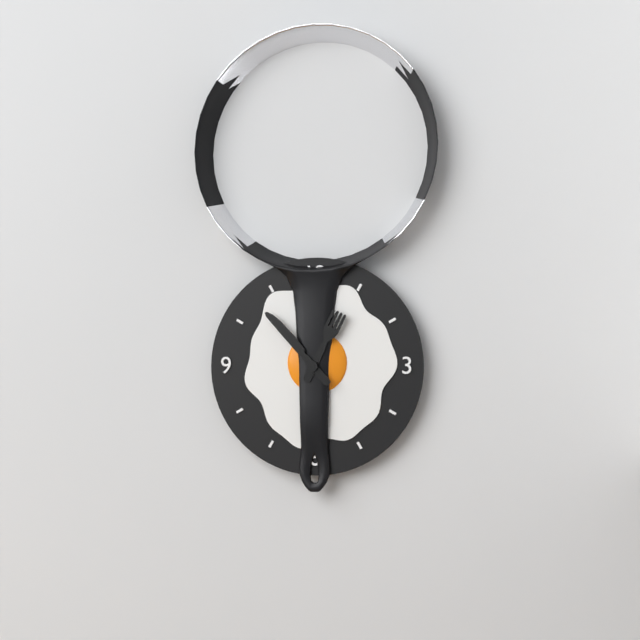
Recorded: 12.53
